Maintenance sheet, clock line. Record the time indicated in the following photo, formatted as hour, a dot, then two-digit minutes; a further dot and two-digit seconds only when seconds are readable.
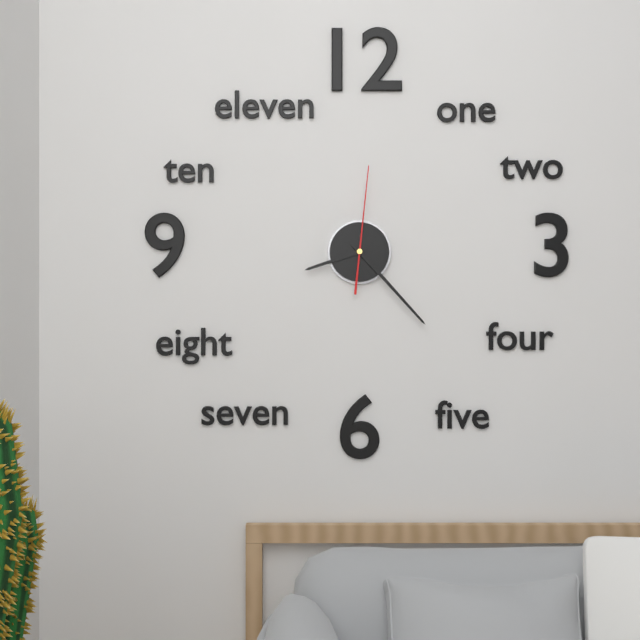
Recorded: 8.23.01
